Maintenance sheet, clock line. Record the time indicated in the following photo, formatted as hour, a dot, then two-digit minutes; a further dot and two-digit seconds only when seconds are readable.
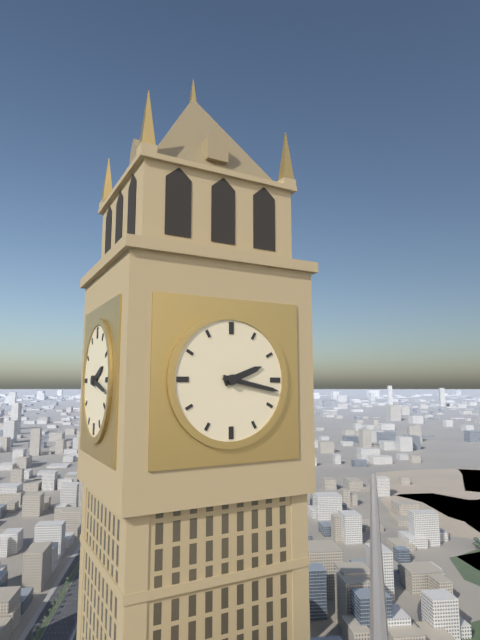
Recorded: 2.17
